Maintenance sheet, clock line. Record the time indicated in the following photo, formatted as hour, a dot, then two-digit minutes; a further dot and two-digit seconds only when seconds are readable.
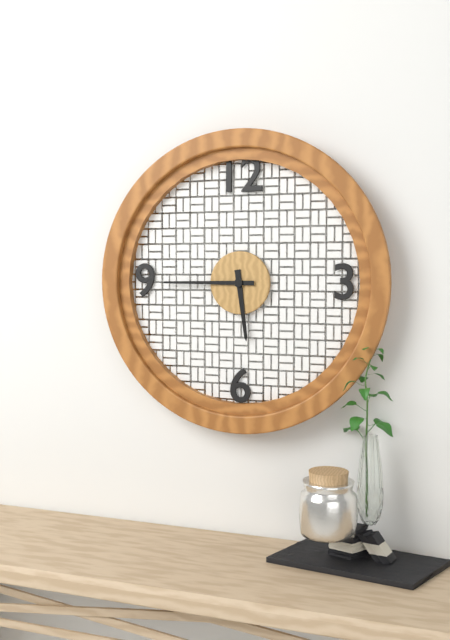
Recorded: 5.45
